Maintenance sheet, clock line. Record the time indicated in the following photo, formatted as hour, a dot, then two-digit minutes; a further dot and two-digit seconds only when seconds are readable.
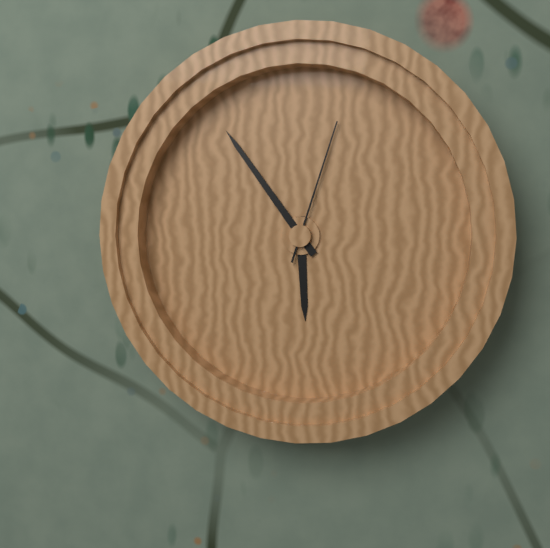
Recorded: 5.54.03
